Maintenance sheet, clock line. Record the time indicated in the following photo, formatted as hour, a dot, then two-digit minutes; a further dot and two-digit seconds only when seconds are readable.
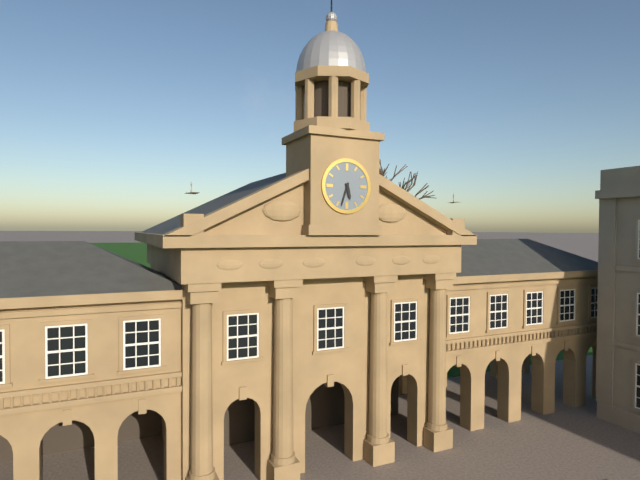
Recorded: 5.33
